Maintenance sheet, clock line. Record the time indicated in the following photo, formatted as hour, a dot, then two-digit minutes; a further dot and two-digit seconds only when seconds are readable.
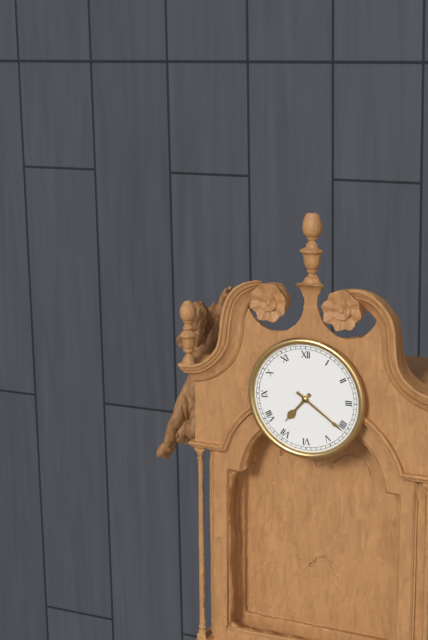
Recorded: 7.21
